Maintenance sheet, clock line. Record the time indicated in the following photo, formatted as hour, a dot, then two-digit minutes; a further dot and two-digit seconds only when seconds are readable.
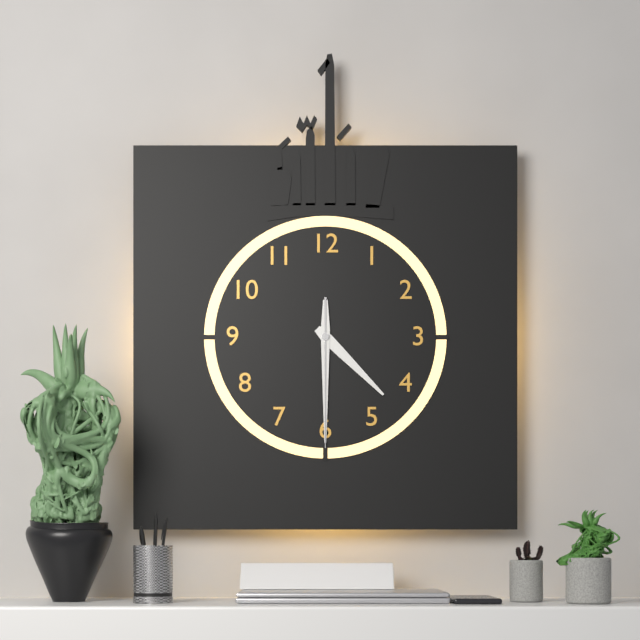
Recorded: 4.30.30
